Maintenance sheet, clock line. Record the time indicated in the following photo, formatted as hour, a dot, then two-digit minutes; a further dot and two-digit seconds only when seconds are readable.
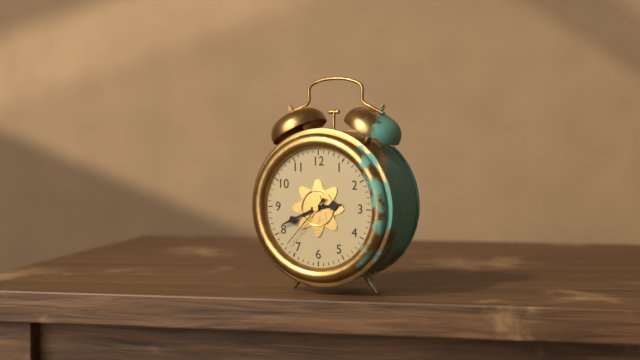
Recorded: 2.41.37
